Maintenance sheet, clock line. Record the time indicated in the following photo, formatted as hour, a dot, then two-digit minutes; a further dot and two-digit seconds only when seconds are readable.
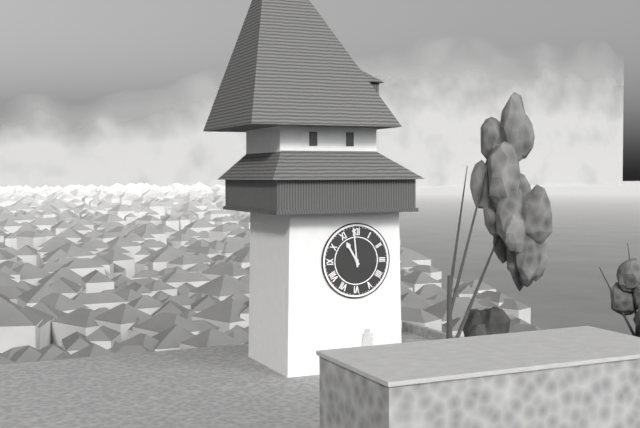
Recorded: 10.59
